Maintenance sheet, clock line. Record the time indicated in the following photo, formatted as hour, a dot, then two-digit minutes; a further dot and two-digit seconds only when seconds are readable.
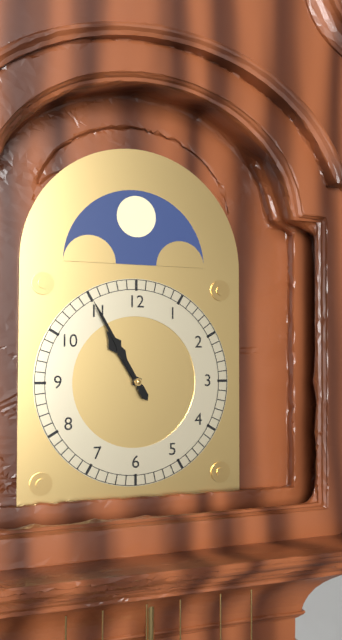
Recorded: 10.55
